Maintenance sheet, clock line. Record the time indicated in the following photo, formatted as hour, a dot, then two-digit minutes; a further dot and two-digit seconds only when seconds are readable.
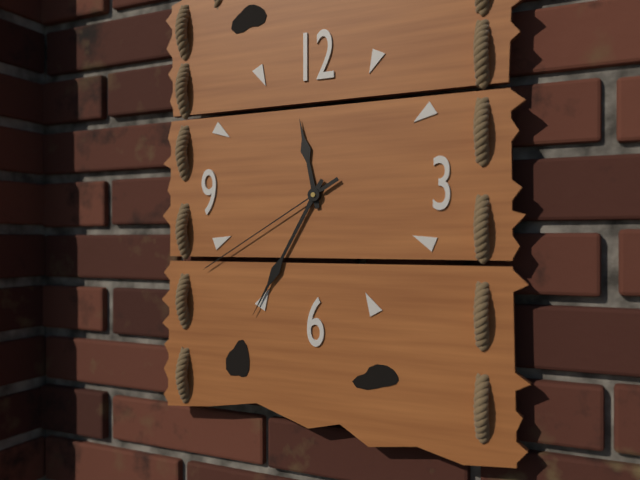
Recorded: 11.35.40
